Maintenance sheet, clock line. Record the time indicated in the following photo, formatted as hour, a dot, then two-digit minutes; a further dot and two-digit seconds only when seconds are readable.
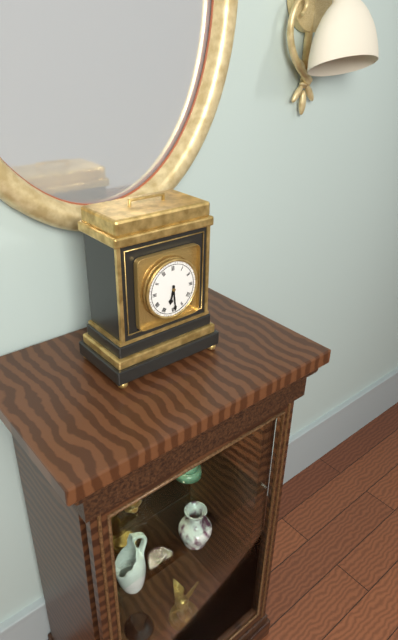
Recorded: 6.29
